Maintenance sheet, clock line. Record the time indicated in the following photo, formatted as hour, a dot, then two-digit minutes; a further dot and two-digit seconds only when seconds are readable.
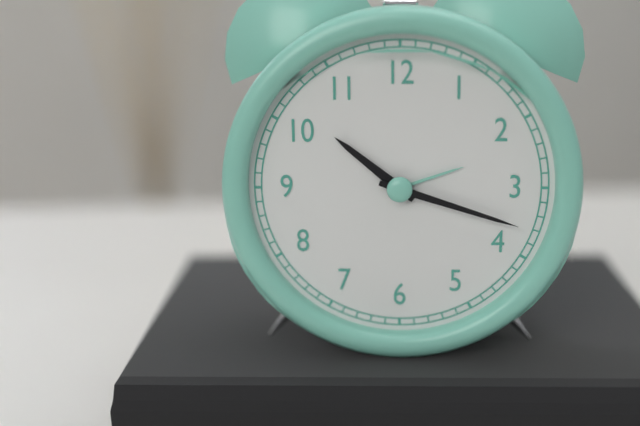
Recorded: 10.18
